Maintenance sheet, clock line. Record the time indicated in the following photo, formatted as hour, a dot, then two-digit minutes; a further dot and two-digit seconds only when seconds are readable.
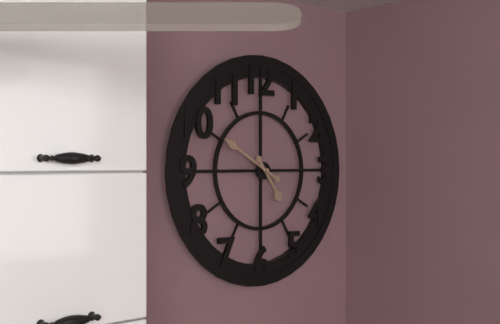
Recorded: 4.50
